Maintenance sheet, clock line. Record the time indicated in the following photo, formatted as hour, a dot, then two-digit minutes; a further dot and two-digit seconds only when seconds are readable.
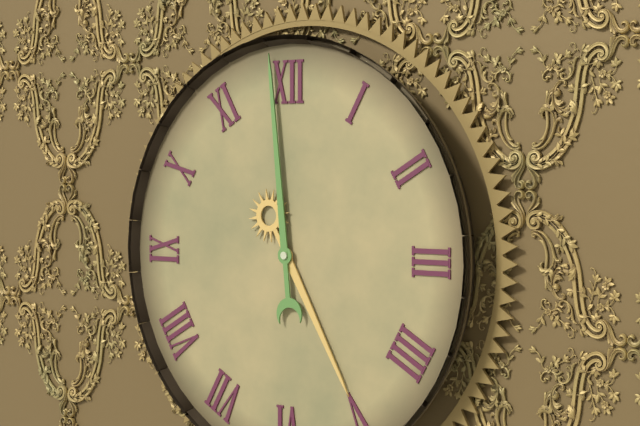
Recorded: 4.59
